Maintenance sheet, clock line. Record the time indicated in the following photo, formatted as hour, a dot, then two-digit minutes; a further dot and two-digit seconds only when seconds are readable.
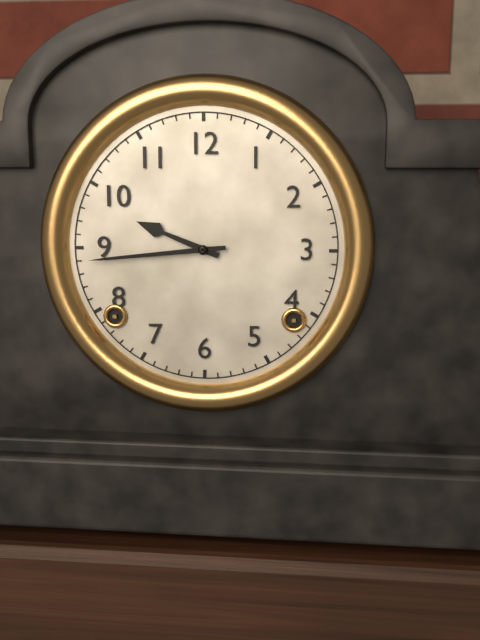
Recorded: 9.44
